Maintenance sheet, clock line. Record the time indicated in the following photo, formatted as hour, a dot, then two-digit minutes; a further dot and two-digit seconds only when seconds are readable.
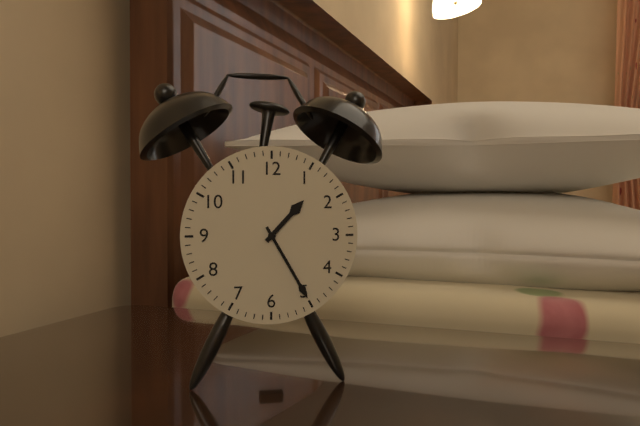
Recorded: 1.25
